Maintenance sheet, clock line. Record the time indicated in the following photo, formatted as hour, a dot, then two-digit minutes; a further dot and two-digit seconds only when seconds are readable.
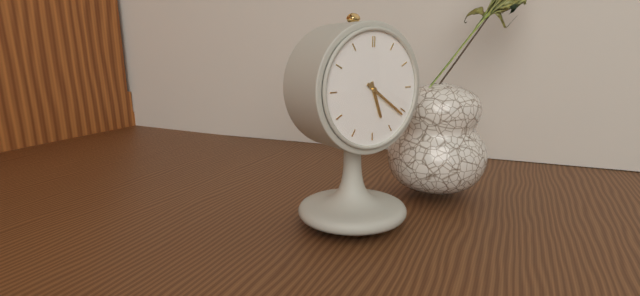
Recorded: 5.21
